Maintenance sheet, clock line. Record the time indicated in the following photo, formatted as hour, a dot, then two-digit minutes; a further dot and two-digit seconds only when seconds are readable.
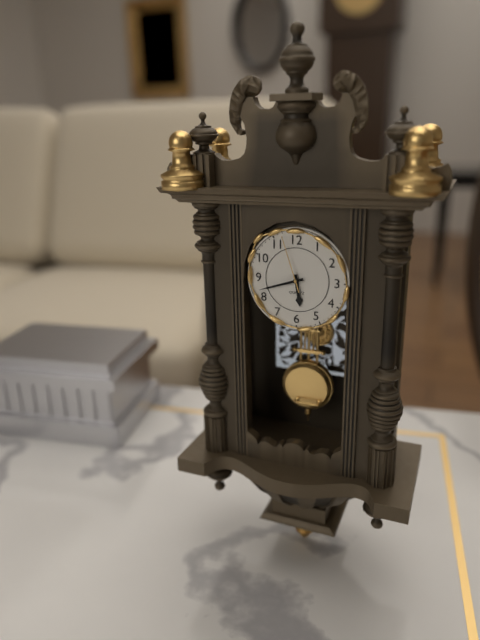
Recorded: 5.42.57
